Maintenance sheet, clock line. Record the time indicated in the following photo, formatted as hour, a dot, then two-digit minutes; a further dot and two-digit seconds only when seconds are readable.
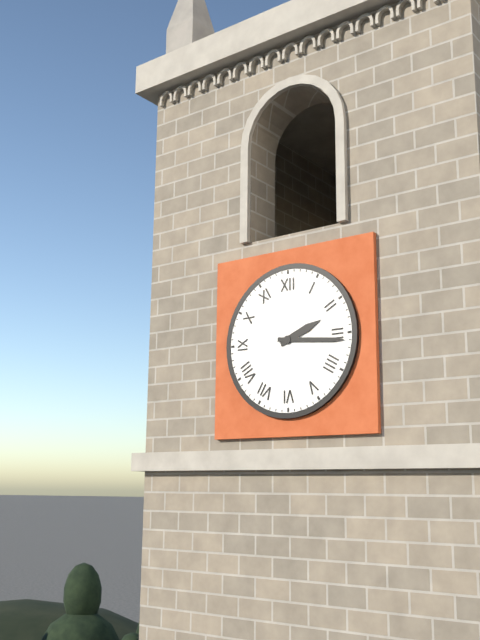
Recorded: 2.16
